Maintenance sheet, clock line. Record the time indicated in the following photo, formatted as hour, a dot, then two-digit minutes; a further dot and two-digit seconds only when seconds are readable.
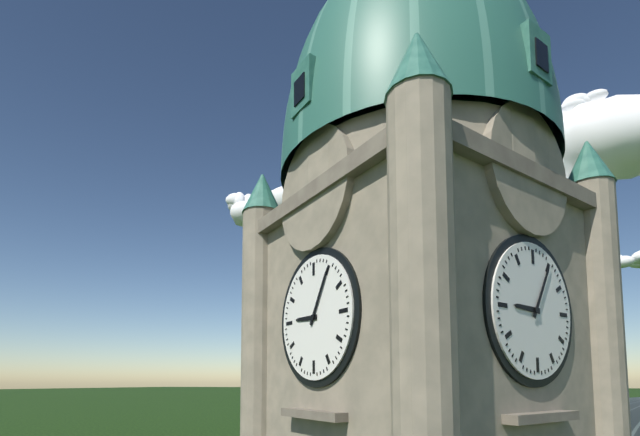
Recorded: 9.05
